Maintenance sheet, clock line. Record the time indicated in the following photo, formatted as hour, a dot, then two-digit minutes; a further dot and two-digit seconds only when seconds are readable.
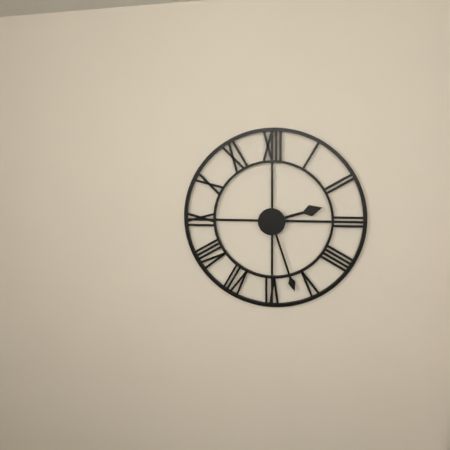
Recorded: 2.27
